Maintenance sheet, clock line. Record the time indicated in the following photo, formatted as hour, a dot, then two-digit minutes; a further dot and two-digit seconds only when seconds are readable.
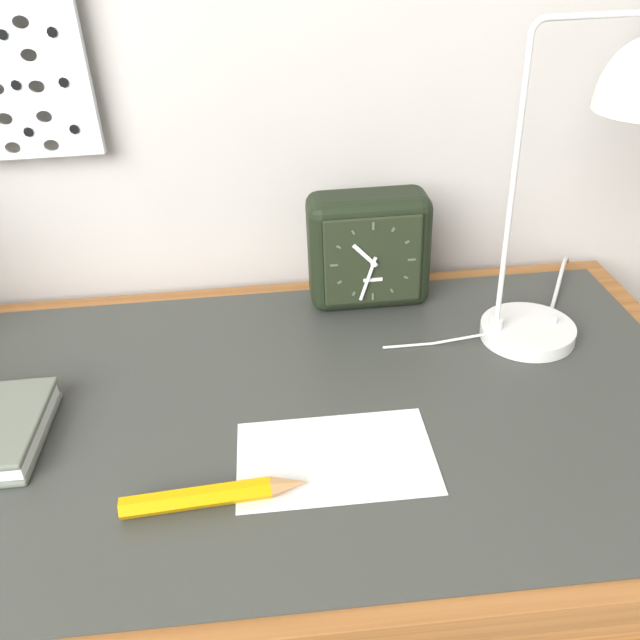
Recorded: 10.33
